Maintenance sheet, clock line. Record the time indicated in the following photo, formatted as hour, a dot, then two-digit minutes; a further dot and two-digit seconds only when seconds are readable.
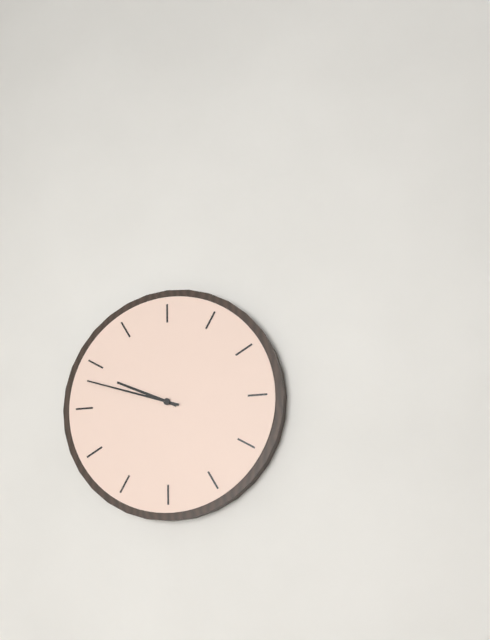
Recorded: 9.48
